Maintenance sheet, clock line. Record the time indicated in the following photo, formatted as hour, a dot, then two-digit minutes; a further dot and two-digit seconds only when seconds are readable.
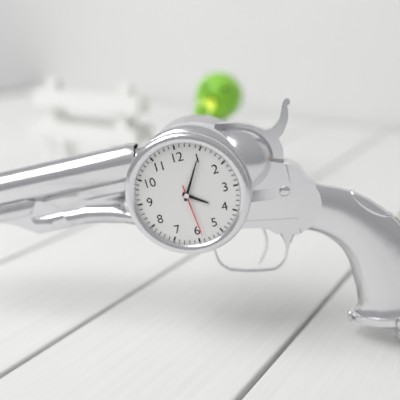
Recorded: 4.05.29
